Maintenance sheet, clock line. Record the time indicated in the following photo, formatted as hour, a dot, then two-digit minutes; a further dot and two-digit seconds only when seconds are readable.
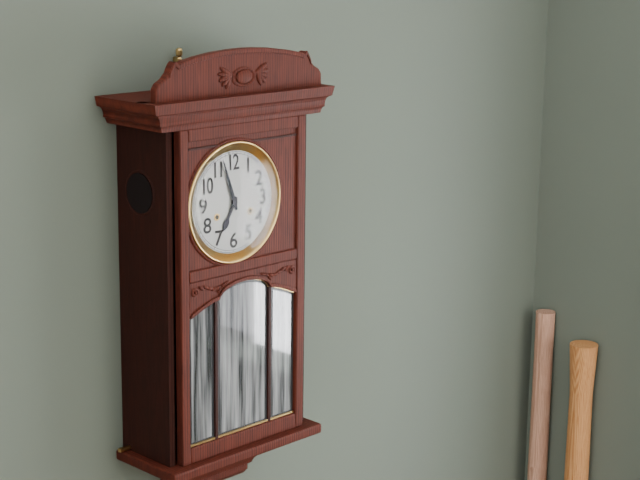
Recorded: 6.57
